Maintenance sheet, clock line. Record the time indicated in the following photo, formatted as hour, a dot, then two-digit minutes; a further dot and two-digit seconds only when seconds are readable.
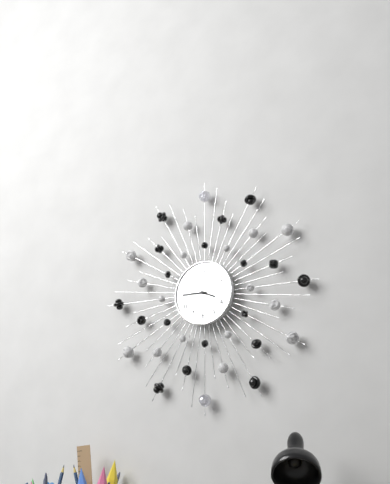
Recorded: 3.45
